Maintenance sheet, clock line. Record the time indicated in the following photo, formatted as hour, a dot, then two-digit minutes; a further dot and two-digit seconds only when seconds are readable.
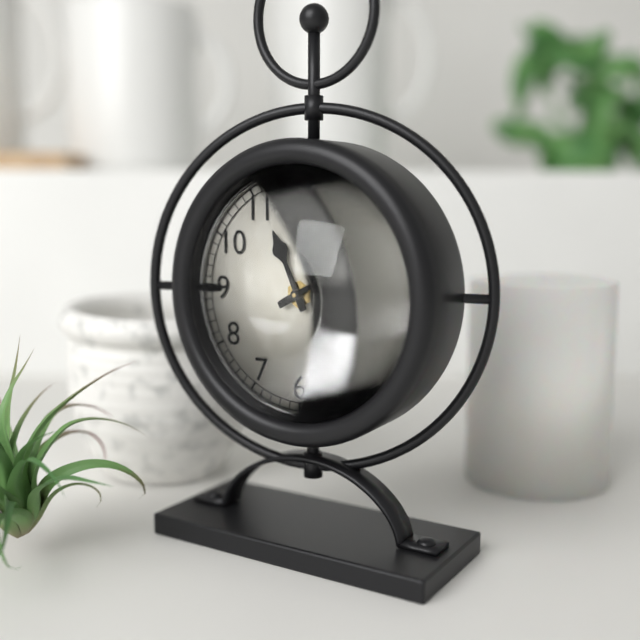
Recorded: 11.10
